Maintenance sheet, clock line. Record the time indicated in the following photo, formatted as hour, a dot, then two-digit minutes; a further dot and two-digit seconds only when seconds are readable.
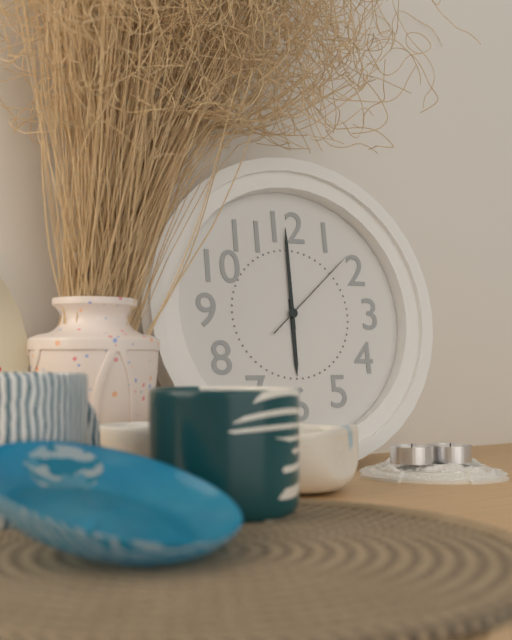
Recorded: 6.00.08
